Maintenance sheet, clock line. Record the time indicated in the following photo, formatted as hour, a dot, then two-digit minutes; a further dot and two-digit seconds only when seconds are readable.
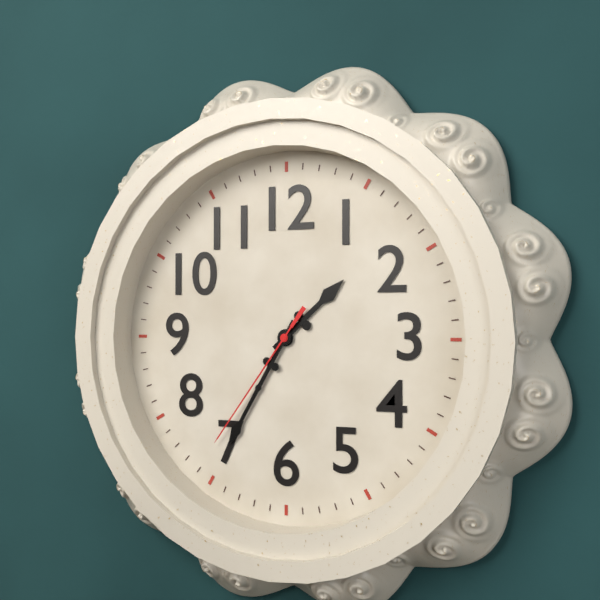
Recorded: 1.35.36
